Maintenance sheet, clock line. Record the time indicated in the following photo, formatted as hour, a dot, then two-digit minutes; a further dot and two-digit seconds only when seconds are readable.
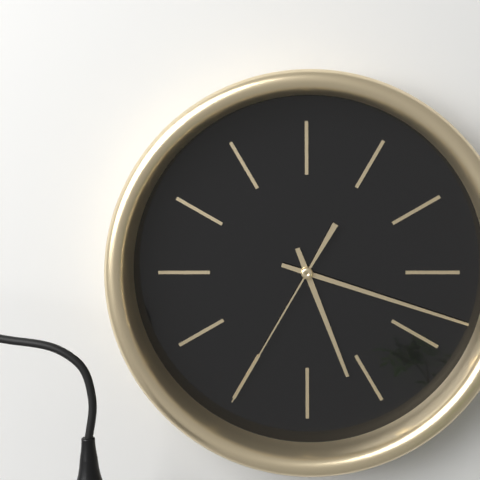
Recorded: 5.18.35
